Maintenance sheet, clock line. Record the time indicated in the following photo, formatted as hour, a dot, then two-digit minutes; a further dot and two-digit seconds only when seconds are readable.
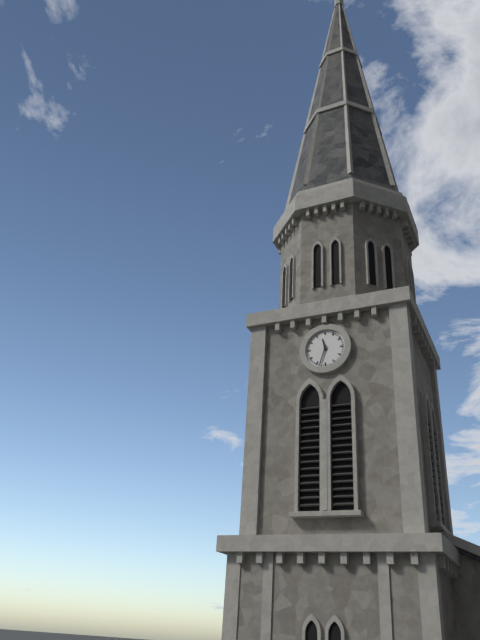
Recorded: 11.33
